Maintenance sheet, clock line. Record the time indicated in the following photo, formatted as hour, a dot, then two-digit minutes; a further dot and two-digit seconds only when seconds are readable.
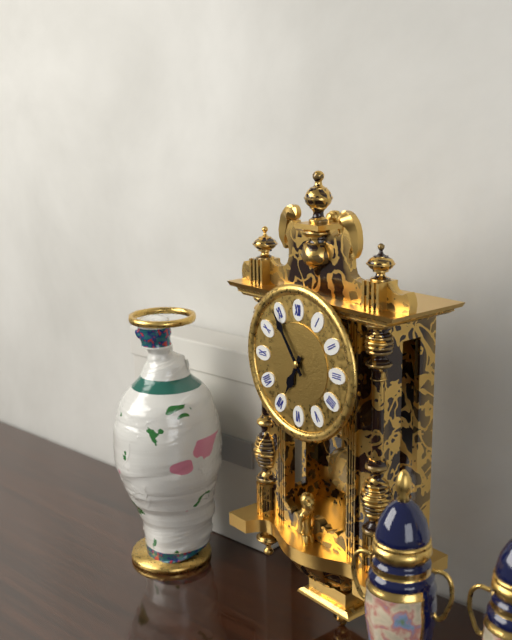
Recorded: 6.54
